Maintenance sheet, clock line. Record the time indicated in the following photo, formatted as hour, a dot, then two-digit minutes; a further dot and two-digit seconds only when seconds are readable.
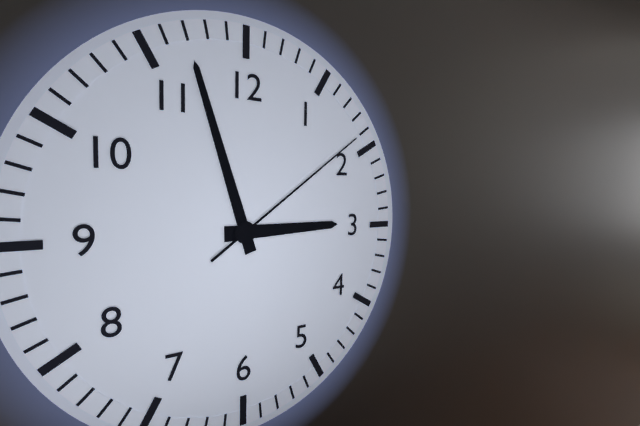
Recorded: 2.57.09
